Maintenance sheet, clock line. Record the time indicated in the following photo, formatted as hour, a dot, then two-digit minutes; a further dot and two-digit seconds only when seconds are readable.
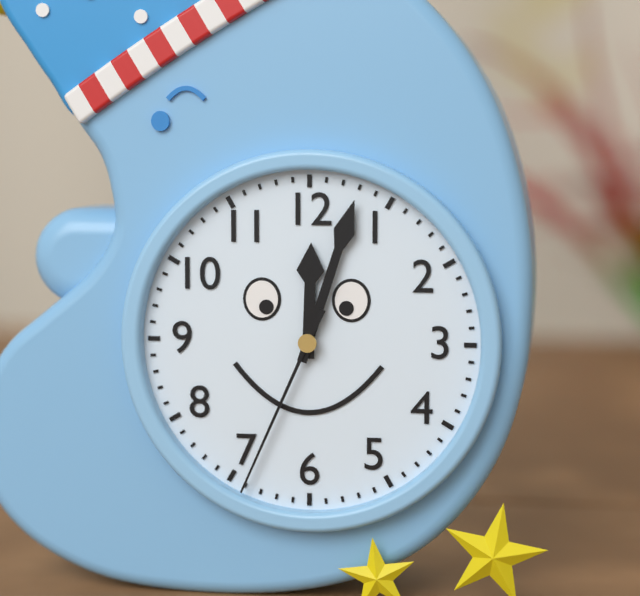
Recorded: 12.03.34
